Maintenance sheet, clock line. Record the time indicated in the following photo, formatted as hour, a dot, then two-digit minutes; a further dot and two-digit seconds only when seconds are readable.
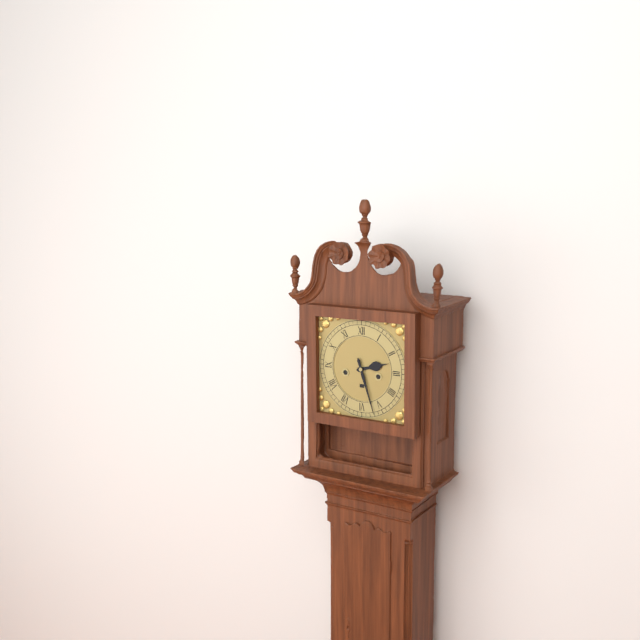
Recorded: 2.27
